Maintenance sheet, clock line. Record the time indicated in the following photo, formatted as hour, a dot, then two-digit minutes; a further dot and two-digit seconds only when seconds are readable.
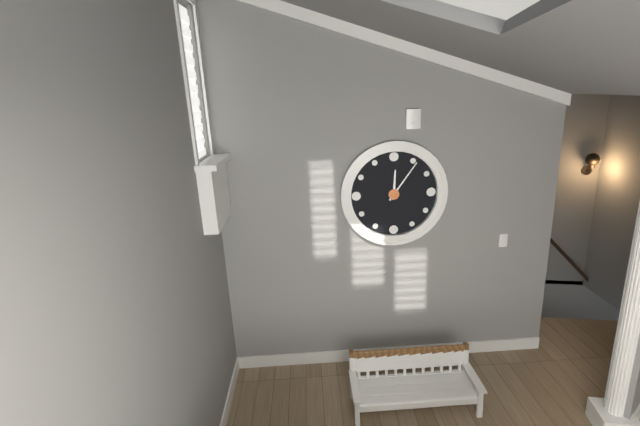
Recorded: 12.06
